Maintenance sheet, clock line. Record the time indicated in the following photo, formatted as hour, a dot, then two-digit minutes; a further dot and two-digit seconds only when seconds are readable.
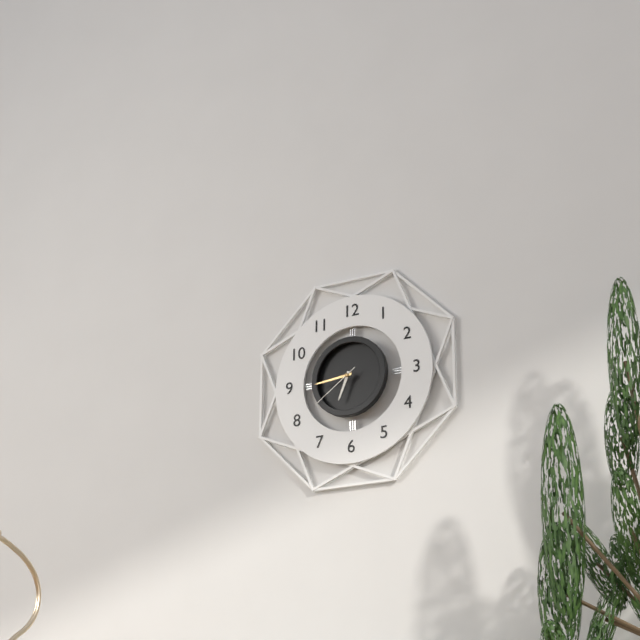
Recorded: 6.44.39
